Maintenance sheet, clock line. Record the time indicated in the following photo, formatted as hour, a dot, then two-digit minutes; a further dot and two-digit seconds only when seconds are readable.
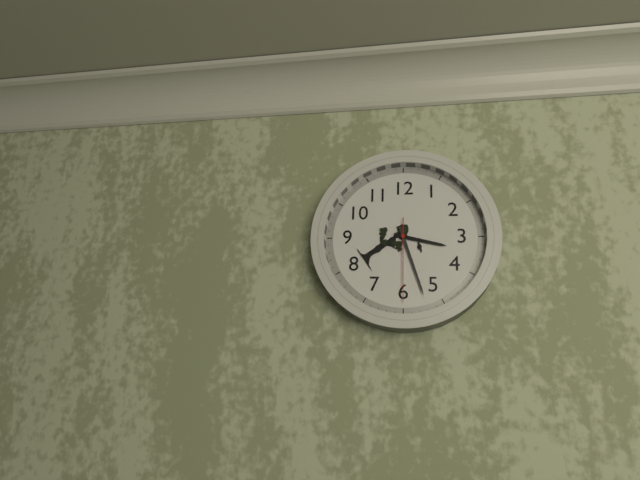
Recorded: 3.27.30
